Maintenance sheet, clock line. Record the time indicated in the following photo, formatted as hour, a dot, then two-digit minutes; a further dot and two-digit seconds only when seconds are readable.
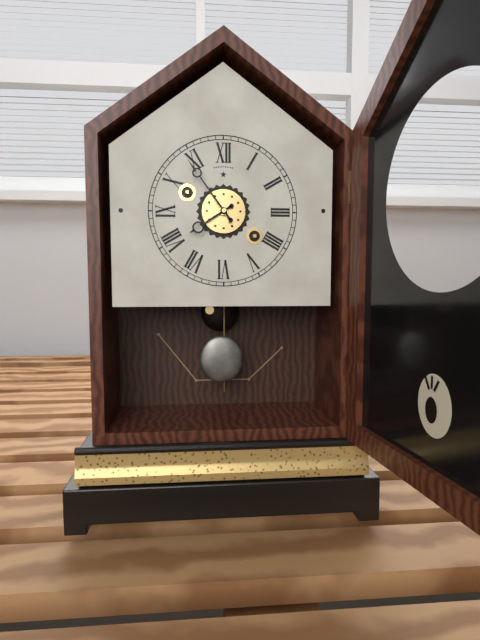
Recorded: 7.54
